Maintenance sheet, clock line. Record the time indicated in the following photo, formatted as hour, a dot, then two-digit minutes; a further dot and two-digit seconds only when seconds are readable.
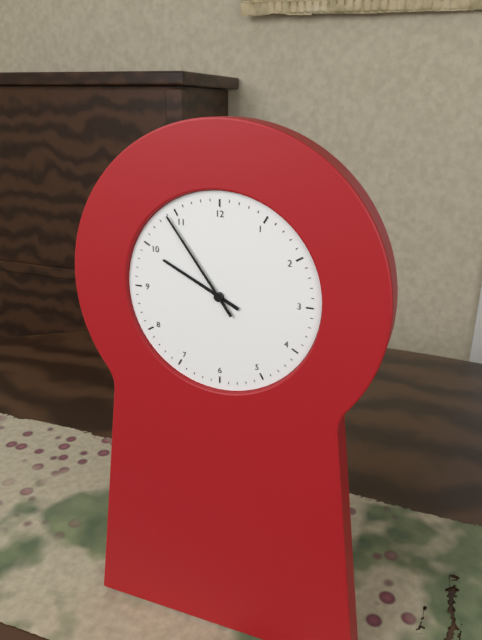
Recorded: 9.54
